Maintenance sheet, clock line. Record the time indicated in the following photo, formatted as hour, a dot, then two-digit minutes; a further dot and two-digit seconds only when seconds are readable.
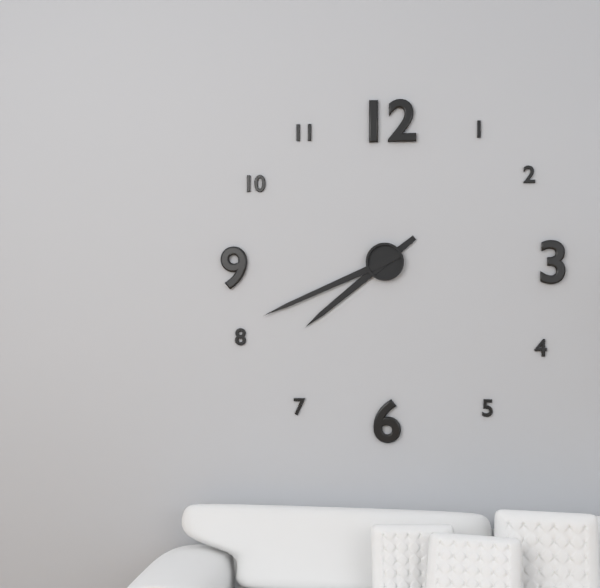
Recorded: 7.41
